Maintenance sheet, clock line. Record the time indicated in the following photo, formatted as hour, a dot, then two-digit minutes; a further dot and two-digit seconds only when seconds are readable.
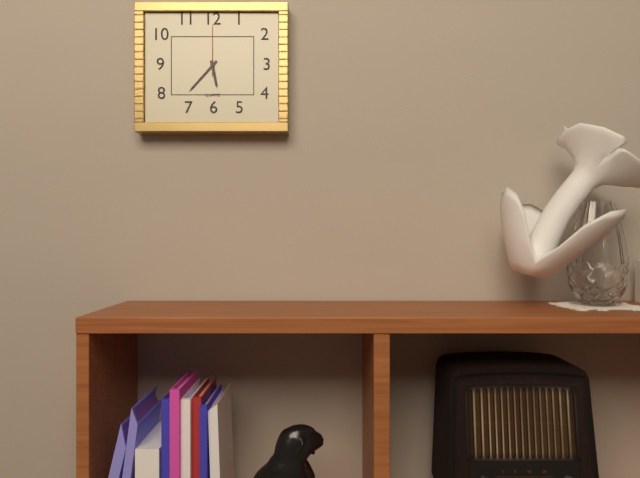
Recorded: 5.37.00
